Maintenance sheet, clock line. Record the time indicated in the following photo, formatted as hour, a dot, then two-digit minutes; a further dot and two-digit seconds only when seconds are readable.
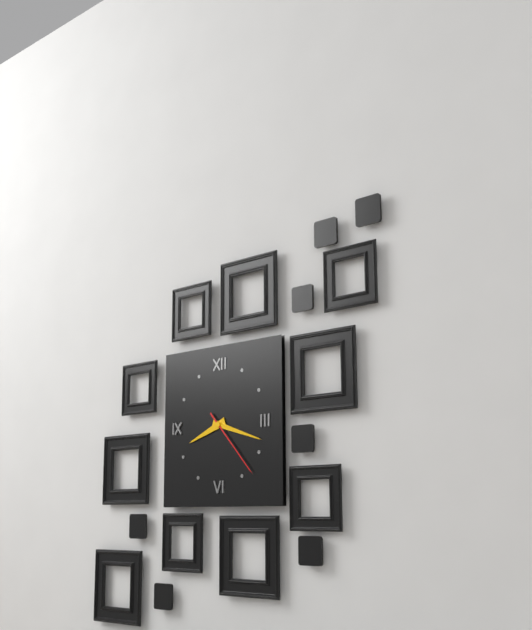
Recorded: 8.18.23
